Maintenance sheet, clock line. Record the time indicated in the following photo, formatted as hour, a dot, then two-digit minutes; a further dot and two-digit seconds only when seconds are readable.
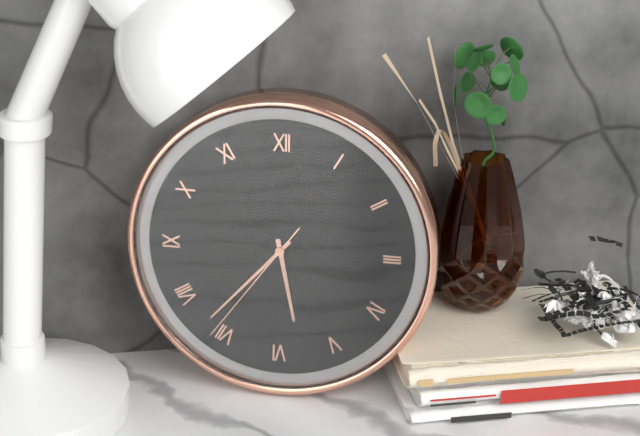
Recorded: 5.37.36
